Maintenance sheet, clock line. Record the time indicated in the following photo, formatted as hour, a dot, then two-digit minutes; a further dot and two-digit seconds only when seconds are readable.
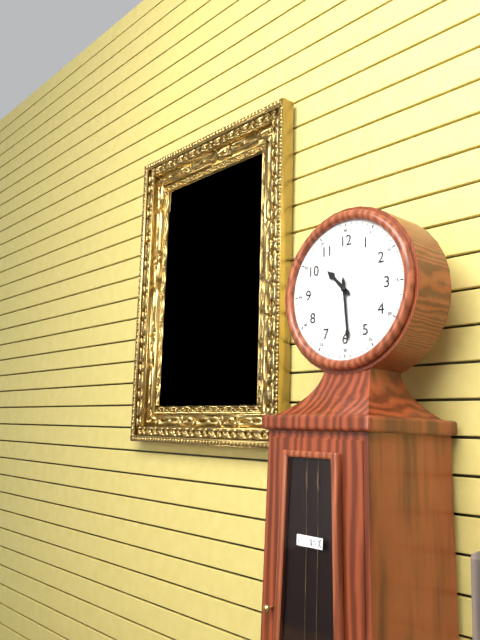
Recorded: 10.29
